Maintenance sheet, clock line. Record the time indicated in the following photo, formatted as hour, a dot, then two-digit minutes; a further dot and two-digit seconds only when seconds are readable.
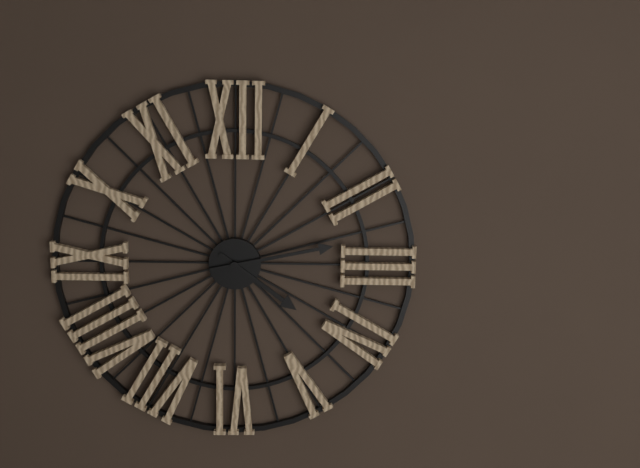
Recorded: 4.13
